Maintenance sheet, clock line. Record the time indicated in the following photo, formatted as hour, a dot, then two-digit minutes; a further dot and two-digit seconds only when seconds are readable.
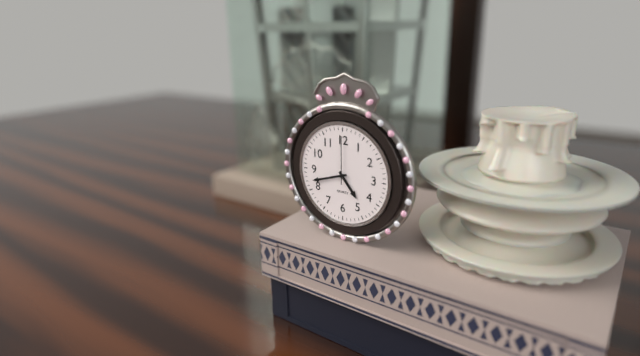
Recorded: 4.42
